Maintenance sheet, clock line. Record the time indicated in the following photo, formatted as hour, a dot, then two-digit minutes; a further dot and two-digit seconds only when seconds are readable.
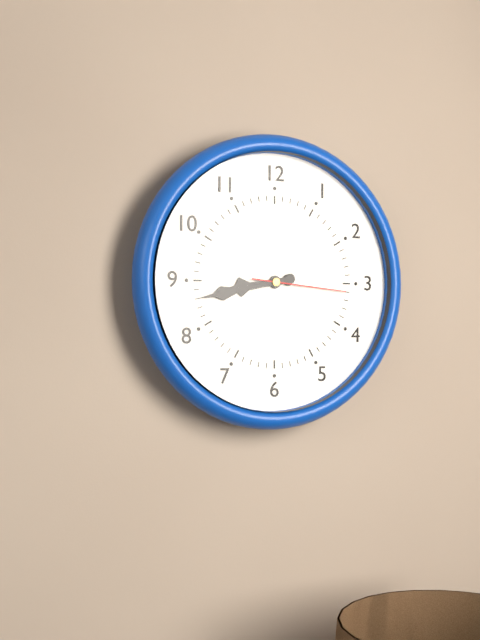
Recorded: 8.43.16
